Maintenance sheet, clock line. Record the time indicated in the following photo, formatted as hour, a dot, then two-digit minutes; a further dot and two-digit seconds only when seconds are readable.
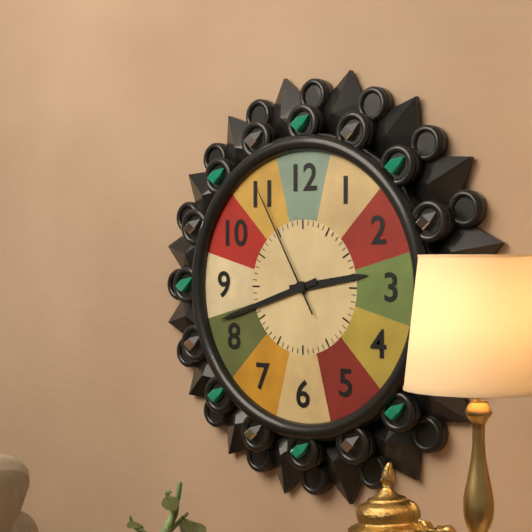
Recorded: 2.42.55
